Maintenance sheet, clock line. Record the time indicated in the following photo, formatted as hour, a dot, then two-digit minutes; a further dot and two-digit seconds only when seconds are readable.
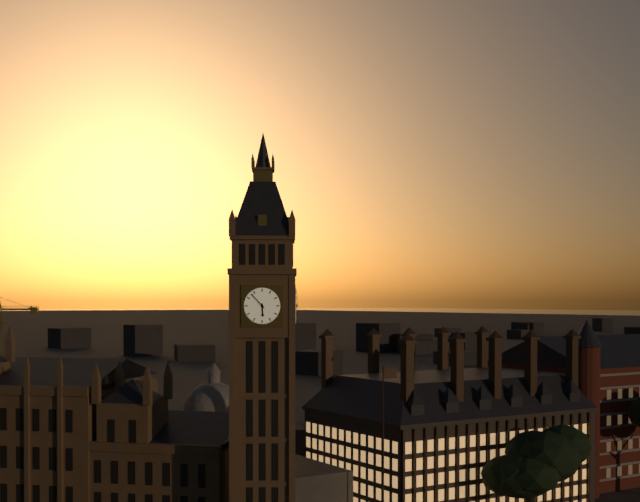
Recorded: 5.53
